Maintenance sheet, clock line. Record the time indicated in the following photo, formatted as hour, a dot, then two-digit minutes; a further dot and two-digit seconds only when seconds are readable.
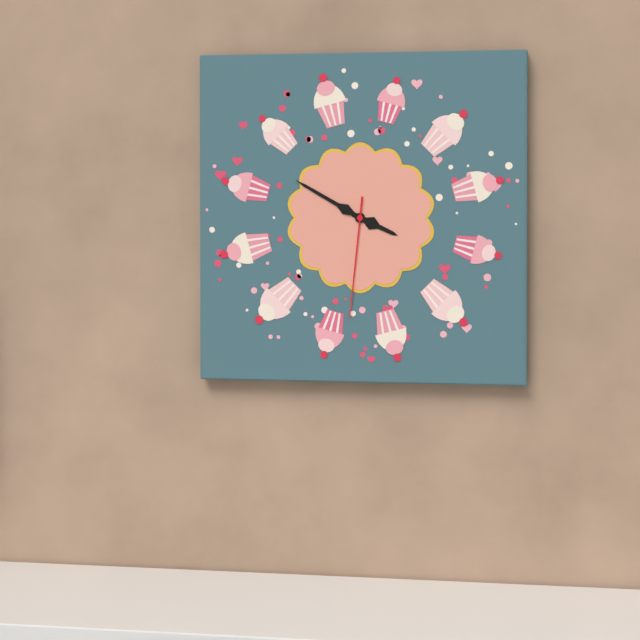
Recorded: 3.50.31
